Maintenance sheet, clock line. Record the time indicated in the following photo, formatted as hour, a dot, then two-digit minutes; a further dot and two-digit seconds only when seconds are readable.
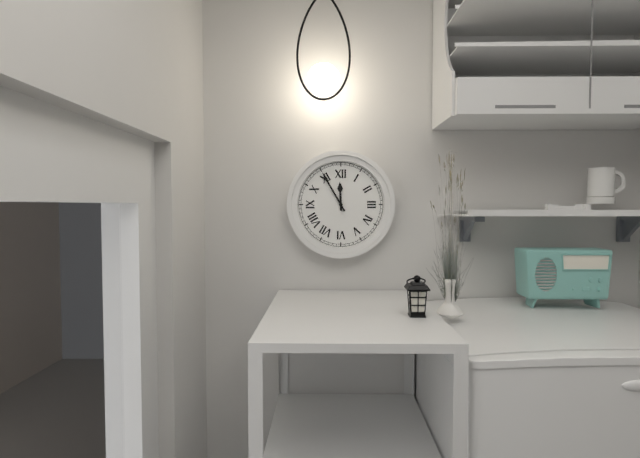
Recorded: 11.55
